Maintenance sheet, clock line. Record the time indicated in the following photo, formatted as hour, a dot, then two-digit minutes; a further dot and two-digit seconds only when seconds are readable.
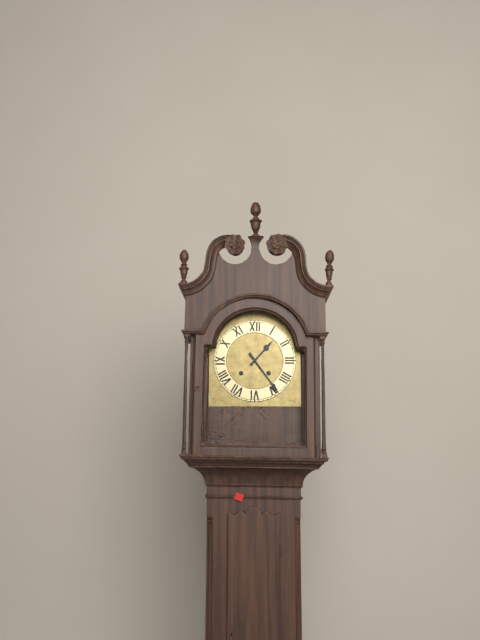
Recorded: 1.24
